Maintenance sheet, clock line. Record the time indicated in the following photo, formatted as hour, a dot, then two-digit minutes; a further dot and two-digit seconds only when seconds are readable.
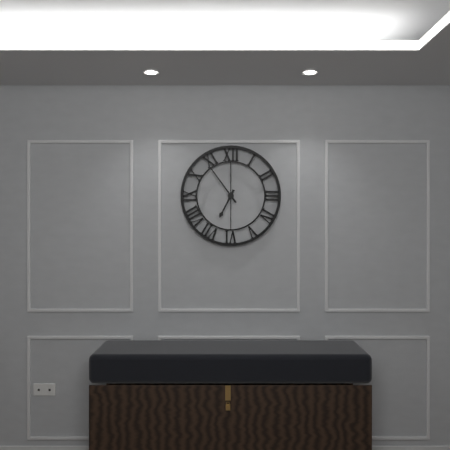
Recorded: 6.54
